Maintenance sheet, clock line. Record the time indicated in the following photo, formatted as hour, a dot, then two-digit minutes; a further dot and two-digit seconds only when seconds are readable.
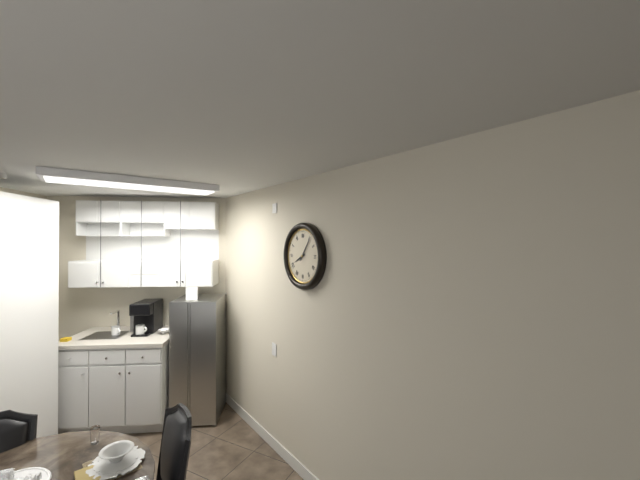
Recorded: 8.06
